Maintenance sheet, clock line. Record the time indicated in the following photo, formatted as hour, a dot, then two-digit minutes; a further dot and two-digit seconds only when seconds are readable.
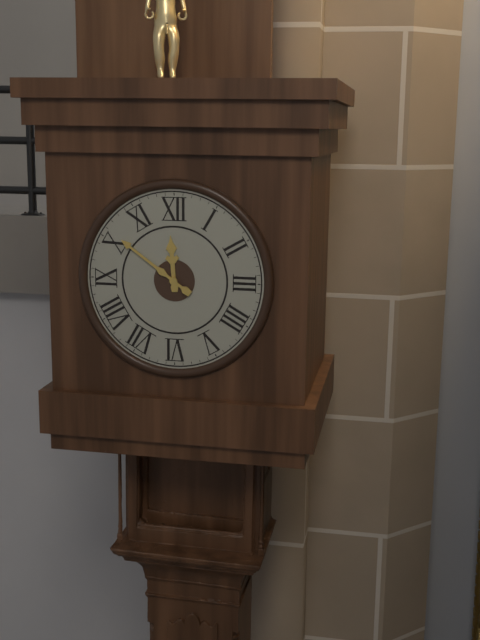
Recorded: 11.51
